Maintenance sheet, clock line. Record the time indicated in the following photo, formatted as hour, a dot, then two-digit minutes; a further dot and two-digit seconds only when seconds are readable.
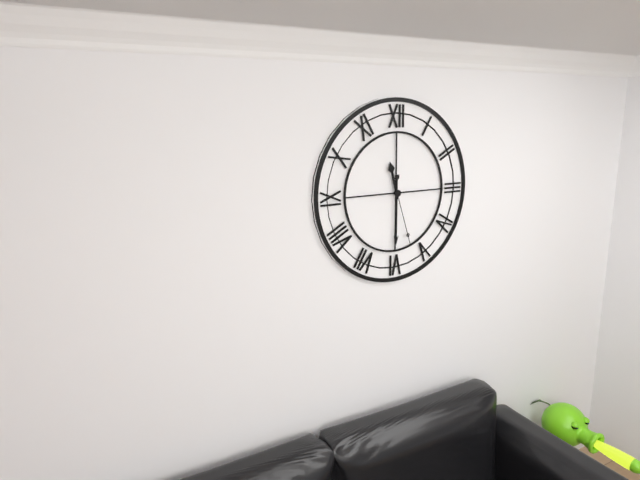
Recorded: 11.30.27
